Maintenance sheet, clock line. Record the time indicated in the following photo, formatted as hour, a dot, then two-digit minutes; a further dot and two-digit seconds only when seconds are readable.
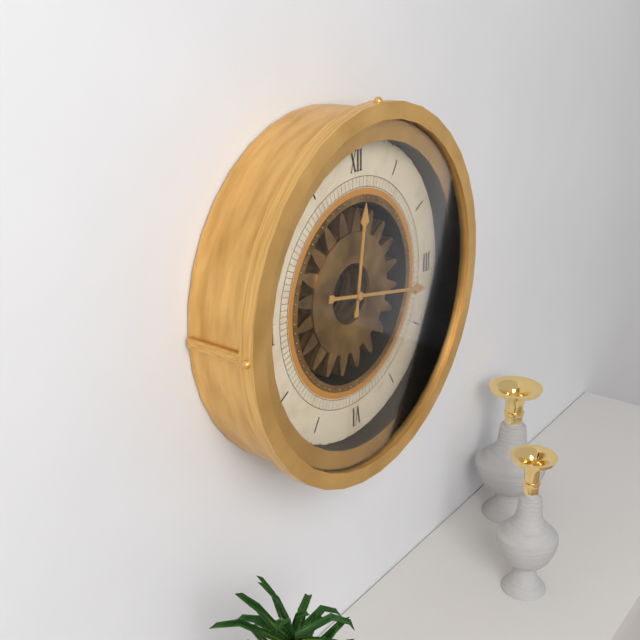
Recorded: 12.17
